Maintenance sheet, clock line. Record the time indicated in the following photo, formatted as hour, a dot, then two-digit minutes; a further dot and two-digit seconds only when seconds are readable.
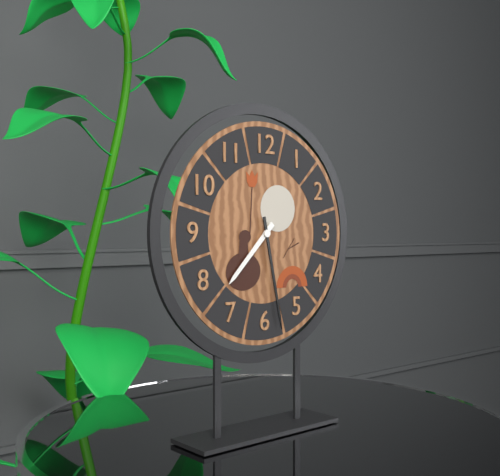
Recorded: 7.28
